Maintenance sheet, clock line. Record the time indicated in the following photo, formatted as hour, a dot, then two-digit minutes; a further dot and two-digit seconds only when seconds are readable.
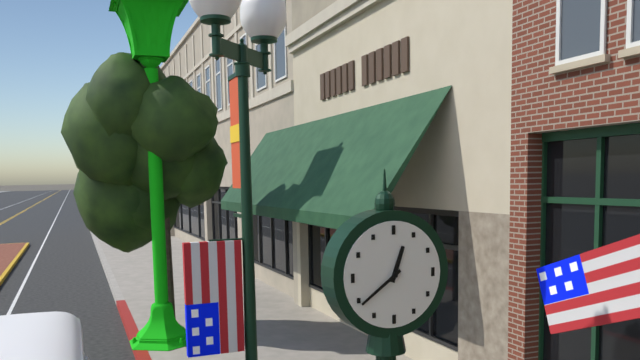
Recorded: 12.39
